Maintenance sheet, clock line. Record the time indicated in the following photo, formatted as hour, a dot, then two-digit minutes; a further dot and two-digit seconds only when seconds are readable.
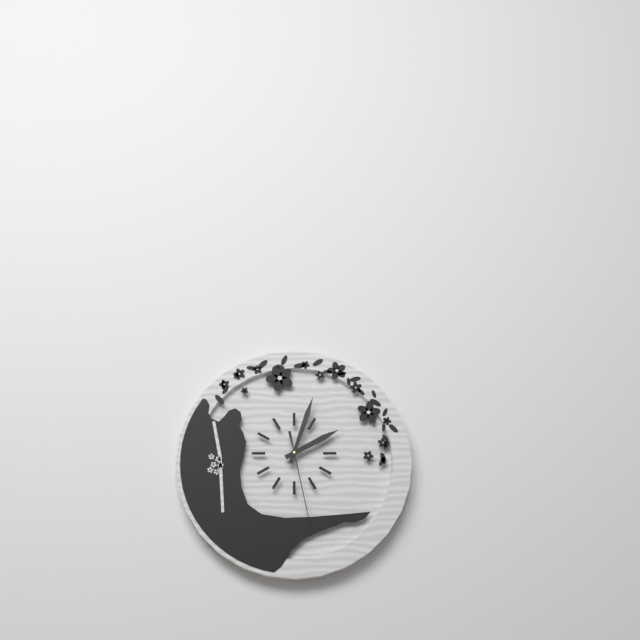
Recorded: 2.03.28
